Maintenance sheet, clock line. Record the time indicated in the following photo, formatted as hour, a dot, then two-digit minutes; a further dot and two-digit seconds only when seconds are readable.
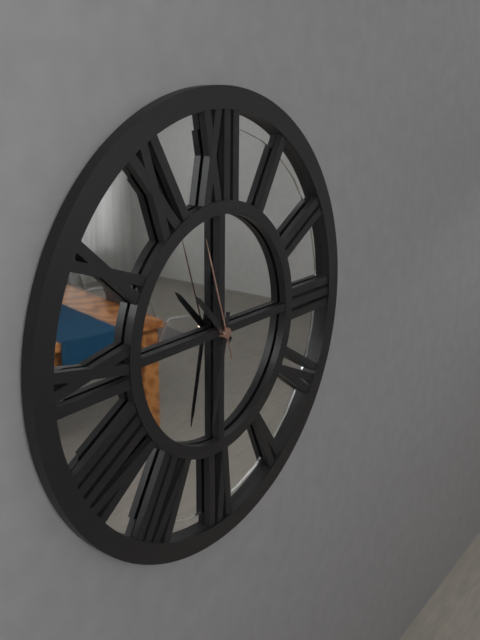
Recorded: 10.32.57
